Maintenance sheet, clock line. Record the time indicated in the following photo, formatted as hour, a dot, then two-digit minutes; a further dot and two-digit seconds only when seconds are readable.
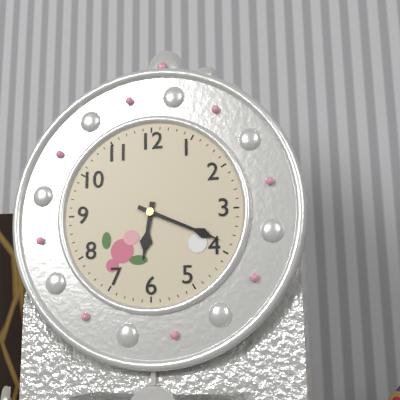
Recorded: 6.19
